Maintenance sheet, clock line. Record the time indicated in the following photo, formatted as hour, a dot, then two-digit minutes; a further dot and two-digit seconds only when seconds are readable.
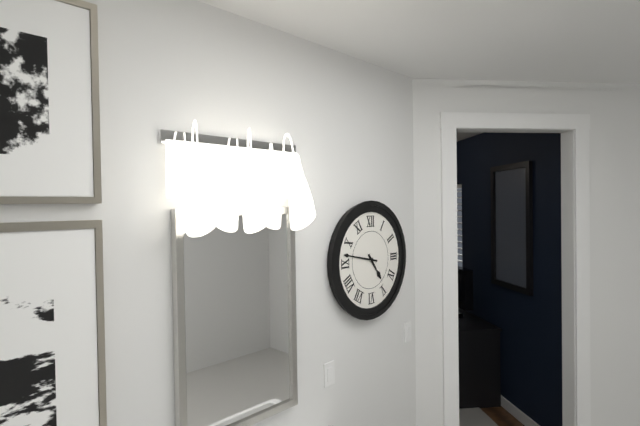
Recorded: 4.47
